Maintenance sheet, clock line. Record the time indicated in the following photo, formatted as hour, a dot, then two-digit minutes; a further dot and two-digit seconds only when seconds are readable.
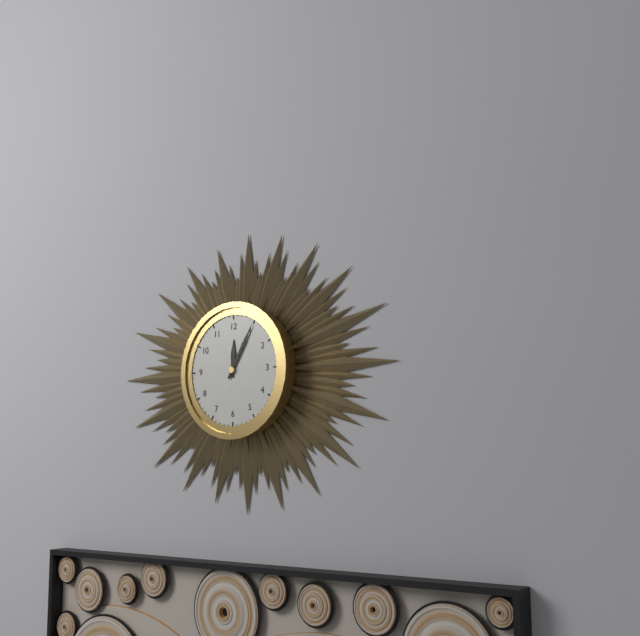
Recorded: 12.05
